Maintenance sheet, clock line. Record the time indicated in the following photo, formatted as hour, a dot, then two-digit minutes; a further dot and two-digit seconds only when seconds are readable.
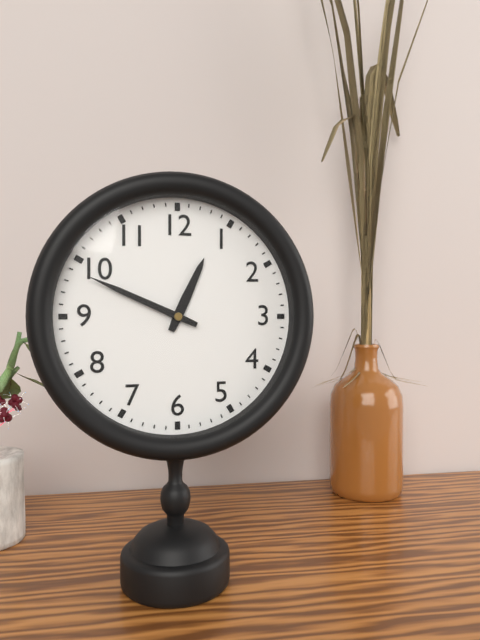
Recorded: 12.49
